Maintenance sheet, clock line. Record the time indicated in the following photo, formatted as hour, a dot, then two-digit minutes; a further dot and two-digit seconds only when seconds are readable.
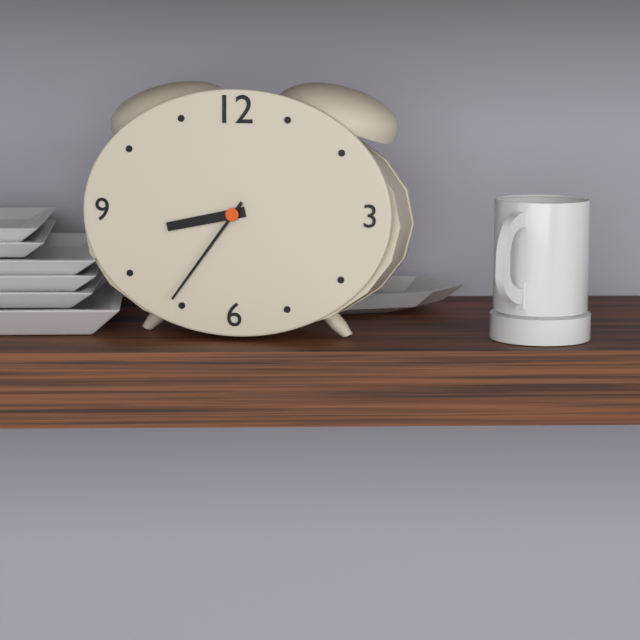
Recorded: 8.36
